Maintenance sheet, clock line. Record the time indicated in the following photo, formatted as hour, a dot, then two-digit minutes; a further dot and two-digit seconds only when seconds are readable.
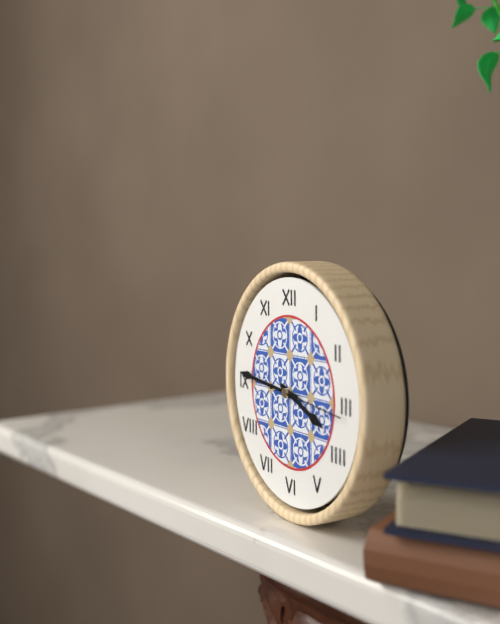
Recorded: 3.46.16
